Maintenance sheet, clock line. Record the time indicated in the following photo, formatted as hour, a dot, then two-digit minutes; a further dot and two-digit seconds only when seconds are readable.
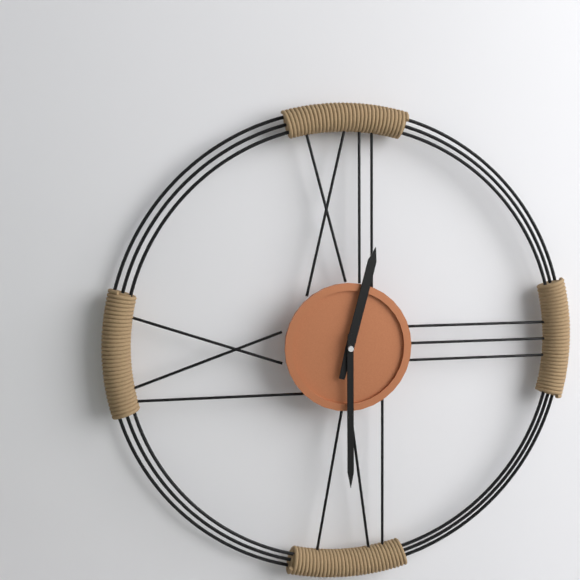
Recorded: 12.30
